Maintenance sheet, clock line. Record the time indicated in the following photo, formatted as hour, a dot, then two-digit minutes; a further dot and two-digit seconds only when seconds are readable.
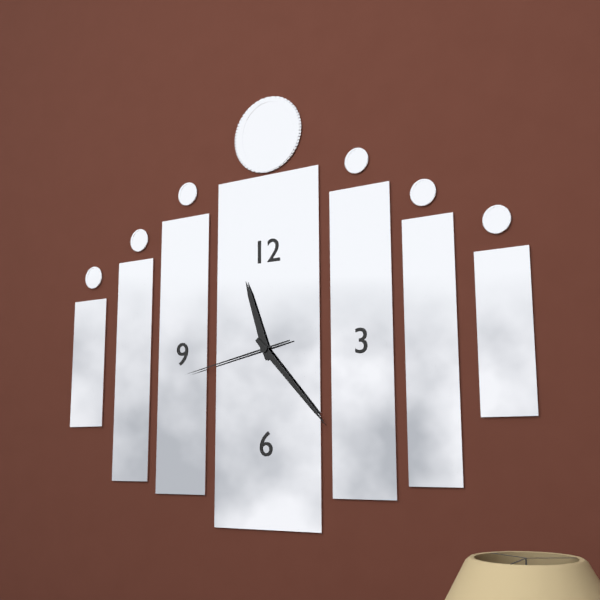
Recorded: 11.23.43
